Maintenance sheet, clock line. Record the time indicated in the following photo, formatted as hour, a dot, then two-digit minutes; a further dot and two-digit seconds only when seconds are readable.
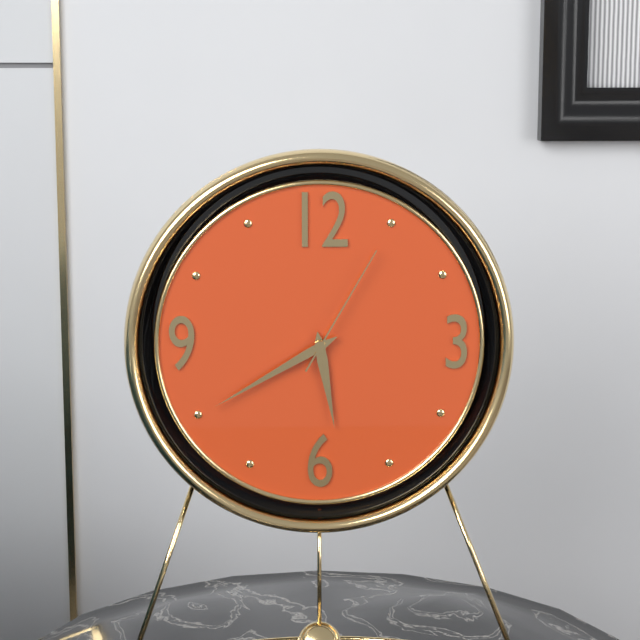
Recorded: 5.40.05
